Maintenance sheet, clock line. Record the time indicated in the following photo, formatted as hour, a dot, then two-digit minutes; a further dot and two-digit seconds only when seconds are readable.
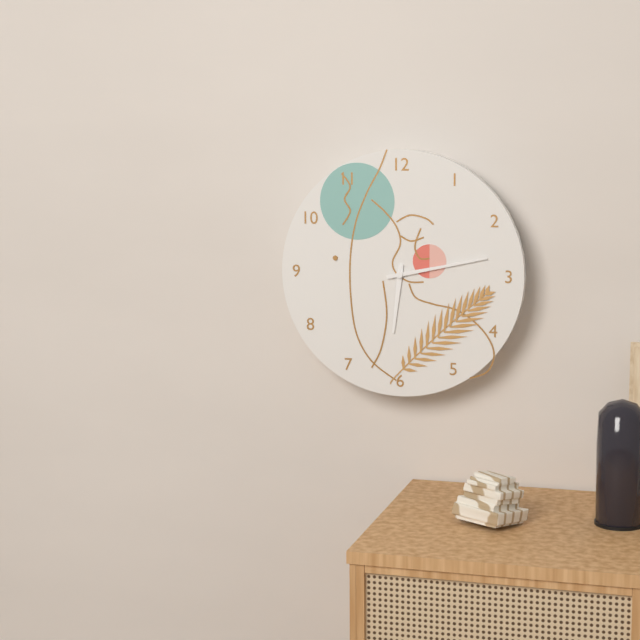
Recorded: 6.13
